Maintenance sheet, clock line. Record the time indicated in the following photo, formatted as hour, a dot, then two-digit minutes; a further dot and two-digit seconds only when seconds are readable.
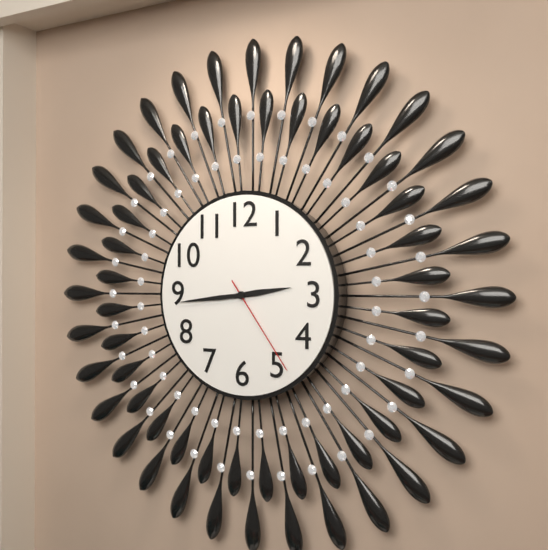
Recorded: 2.44.24
